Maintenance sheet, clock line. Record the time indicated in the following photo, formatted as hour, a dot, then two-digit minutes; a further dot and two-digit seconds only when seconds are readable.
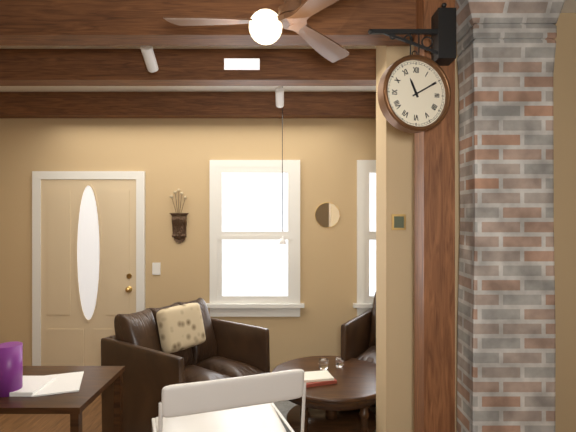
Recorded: 11.10
